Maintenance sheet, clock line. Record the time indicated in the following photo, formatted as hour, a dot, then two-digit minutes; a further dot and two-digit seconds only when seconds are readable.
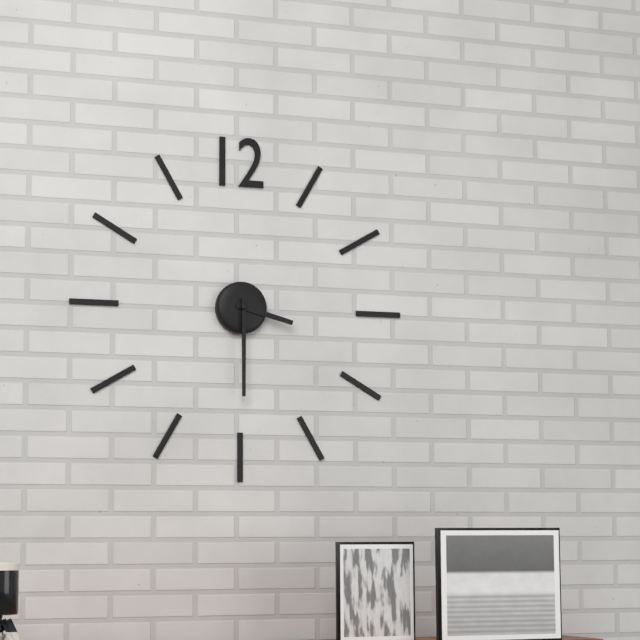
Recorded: 3.30
